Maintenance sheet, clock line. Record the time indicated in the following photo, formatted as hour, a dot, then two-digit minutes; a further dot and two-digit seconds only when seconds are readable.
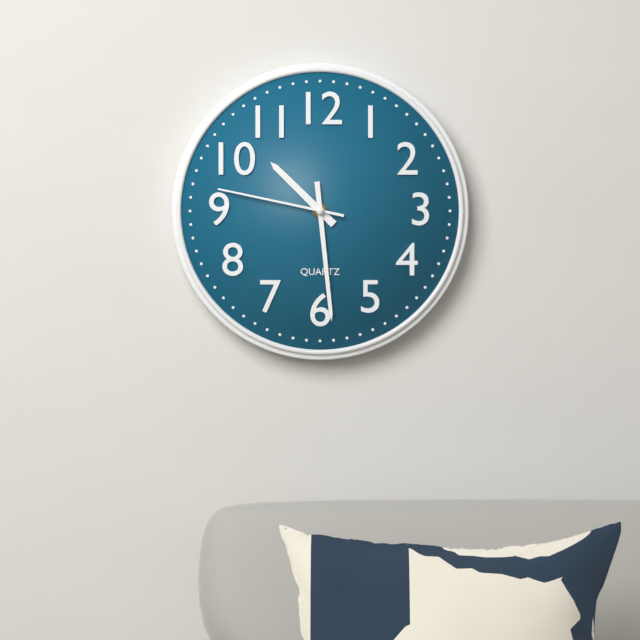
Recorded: 10.29.47
